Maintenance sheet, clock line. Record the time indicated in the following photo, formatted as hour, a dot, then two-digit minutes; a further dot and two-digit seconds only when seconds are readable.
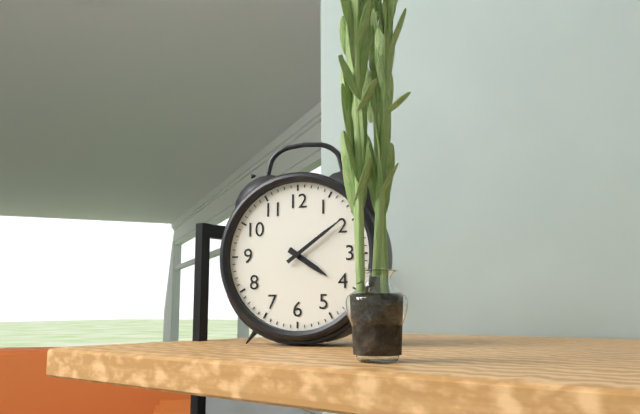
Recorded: 4.09
